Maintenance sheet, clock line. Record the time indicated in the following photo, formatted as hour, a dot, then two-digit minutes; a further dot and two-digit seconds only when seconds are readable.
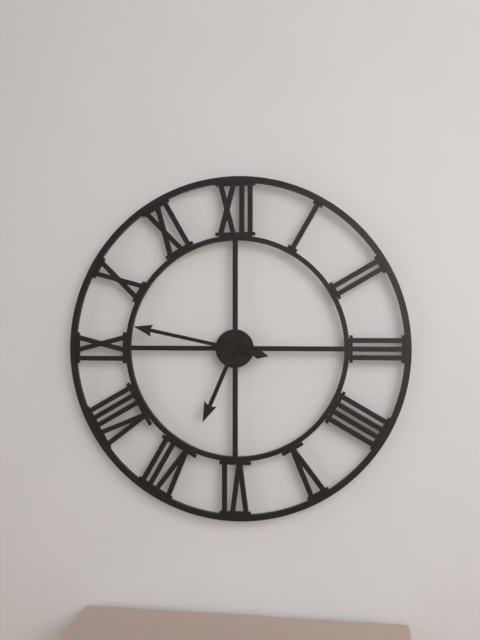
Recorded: 6.47
